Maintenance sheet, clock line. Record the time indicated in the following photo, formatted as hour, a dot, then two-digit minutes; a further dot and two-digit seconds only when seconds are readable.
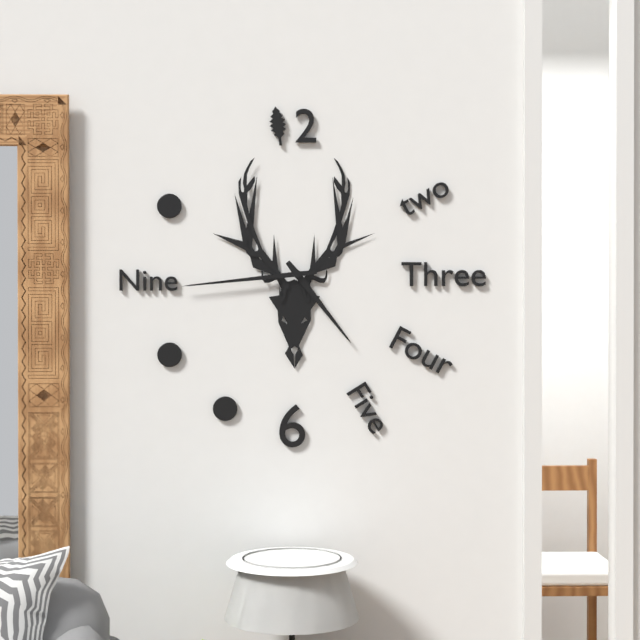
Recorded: 4.44
